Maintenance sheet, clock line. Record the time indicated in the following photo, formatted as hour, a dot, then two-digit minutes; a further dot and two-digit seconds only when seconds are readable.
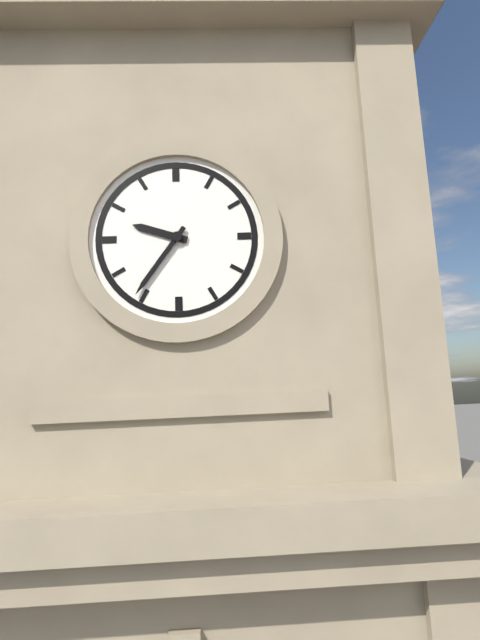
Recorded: 9.36
